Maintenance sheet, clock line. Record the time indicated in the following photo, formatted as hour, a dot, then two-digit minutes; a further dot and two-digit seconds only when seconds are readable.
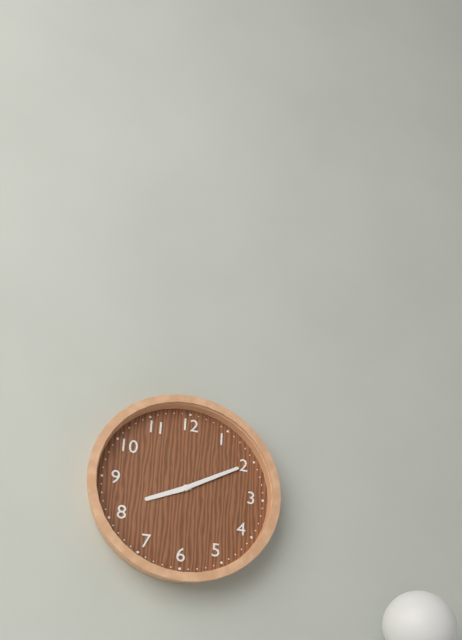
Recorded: 8.10
